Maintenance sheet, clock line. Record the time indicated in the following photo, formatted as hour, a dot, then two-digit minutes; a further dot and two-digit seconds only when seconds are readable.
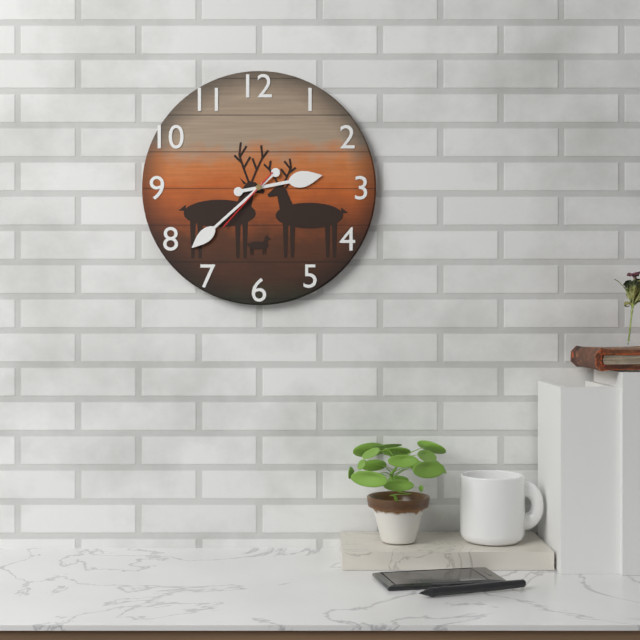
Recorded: 2.38.37
